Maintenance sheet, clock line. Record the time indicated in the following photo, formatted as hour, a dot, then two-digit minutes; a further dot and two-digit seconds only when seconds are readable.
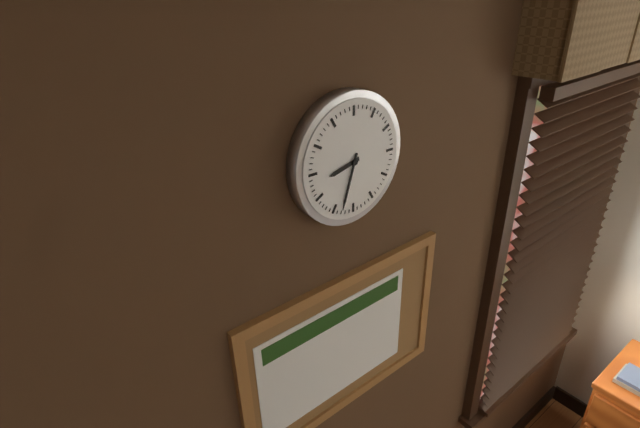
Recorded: 8.33
